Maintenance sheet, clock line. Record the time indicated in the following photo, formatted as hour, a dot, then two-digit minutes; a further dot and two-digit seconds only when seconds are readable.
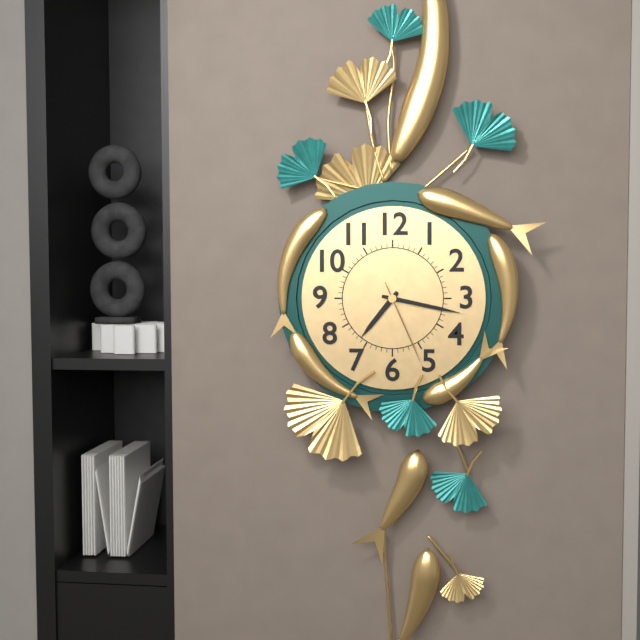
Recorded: 7.17.26
